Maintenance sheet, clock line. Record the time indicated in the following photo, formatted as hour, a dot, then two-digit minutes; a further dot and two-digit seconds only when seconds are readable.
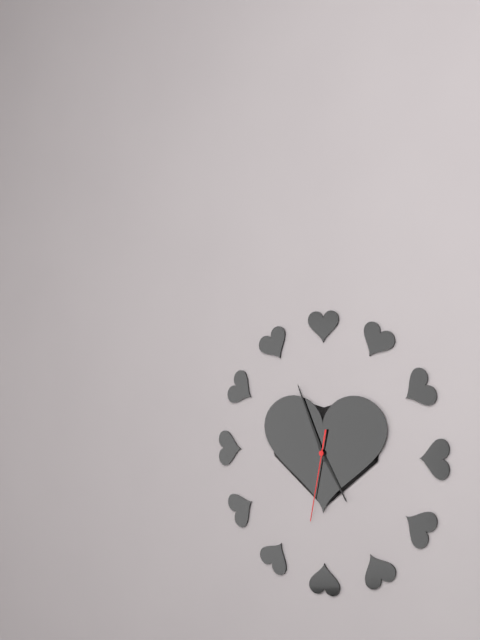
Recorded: 4.56.32
